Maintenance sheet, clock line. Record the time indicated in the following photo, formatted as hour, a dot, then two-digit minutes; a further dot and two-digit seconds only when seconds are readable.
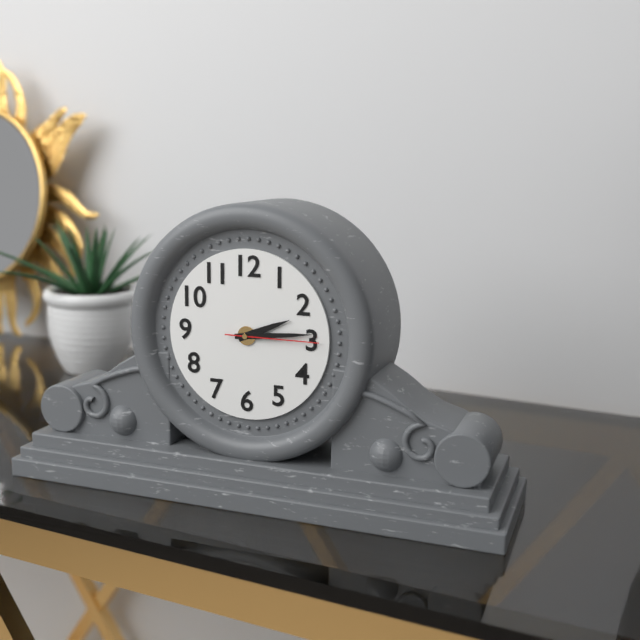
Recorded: 2.14.15
